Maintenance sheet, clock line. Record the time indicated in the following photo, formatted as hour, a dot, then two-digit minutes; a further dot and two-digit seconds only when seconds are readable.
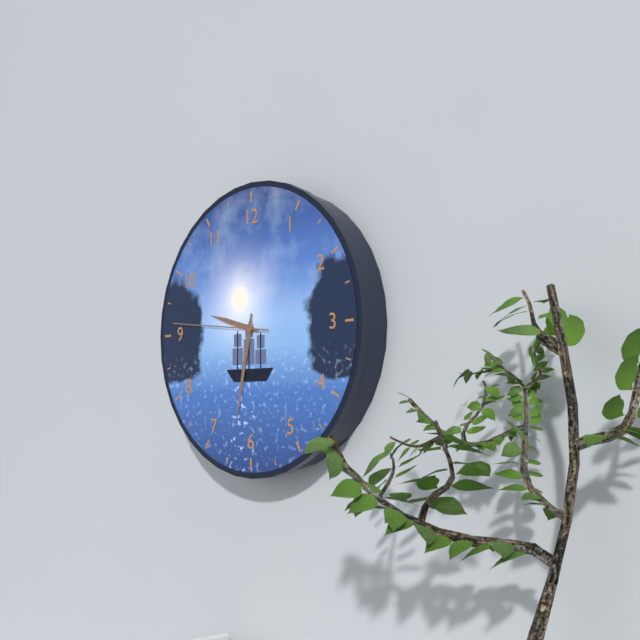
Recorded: 9.32.46
